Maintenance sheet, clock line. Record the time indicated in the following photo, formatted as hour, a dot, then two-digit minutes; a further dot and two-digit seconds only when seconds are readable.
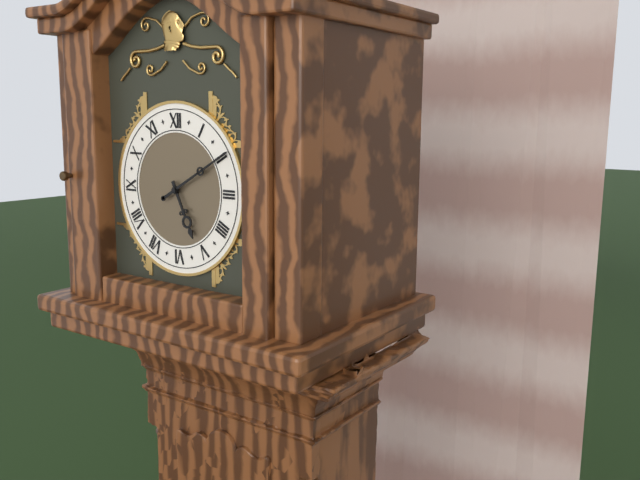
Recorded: 5.10
